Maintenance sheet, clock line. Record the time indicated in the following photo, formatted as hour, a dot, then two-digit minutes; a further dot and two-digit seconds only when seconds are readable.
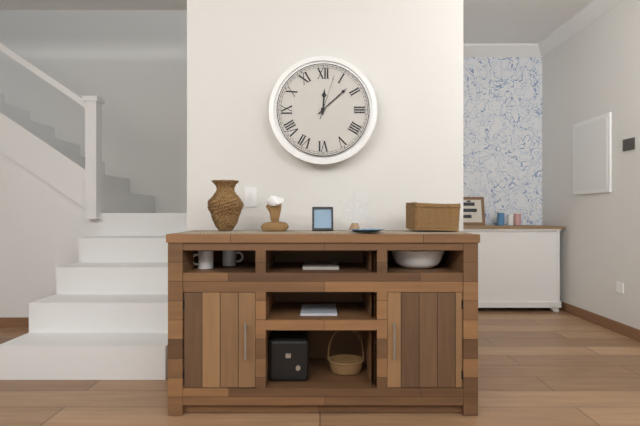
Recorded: 12.08
